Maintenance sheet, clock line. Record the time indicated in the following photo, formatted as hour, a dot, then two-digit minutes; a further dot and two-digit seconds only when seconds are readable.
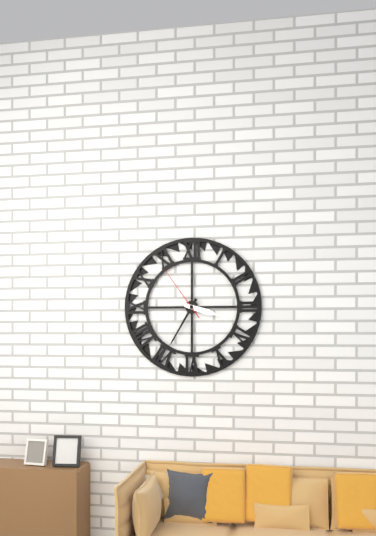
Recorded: 3.35.54
